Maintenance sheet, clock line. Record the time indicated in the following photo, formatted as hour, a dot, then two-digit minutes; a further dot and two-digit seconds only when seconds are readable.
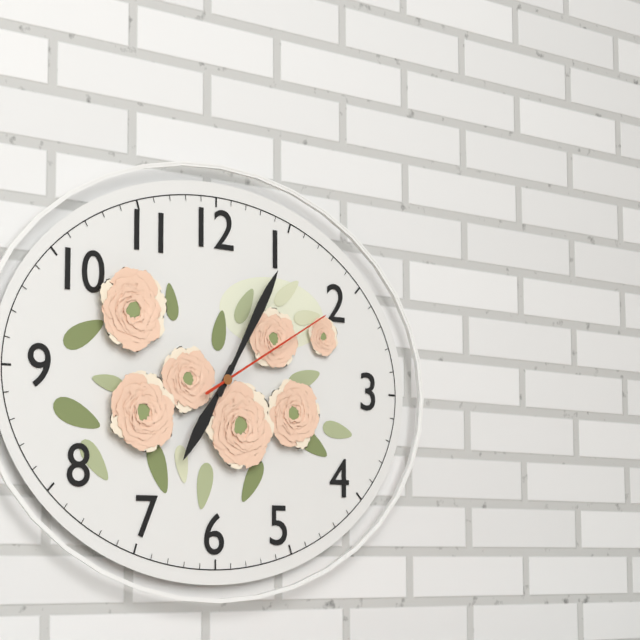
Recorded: 7.05.10
